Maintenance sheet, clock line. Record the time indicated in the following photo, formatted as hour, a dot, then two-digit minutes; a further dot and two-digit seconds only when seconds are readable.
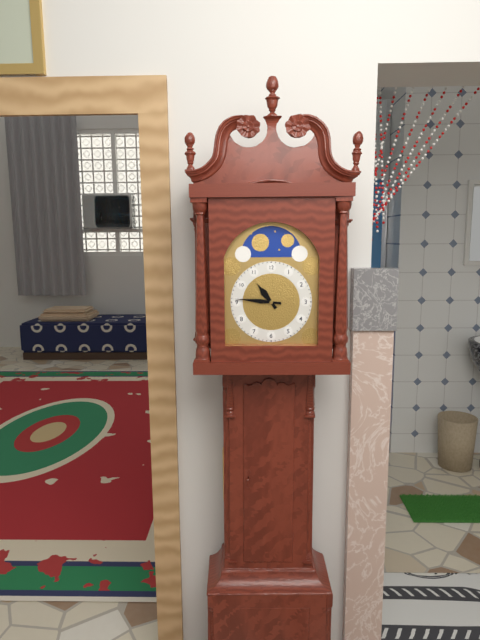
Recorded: 10.46
